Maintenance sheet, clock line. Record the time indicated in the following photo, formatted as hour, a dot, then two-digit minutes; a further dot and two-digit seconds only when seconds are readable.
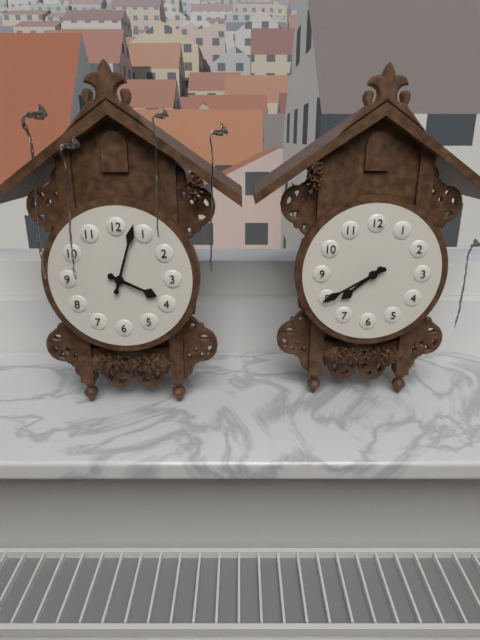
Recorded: 7.40
